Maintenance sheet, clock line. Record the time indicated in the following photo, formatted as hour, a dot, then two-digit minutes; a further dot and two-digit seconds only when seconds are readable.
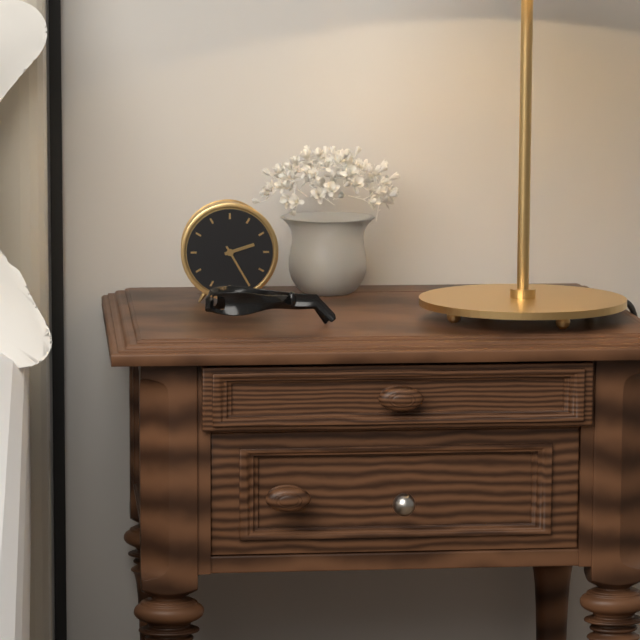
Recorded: 2.25
